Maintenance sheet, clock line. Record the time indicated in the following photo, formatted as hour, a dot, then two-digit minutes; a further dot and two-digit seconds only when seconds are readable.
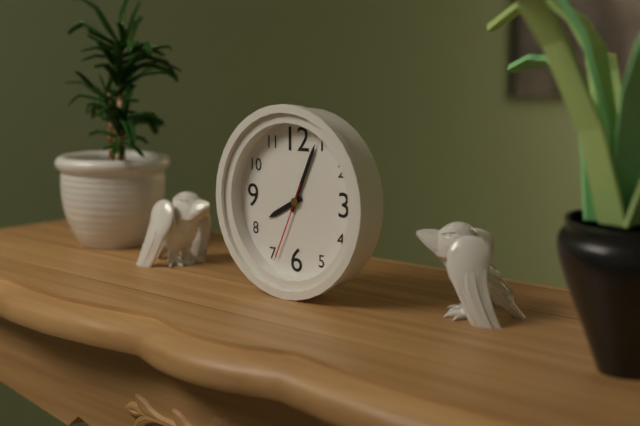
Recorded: 8.04.34
